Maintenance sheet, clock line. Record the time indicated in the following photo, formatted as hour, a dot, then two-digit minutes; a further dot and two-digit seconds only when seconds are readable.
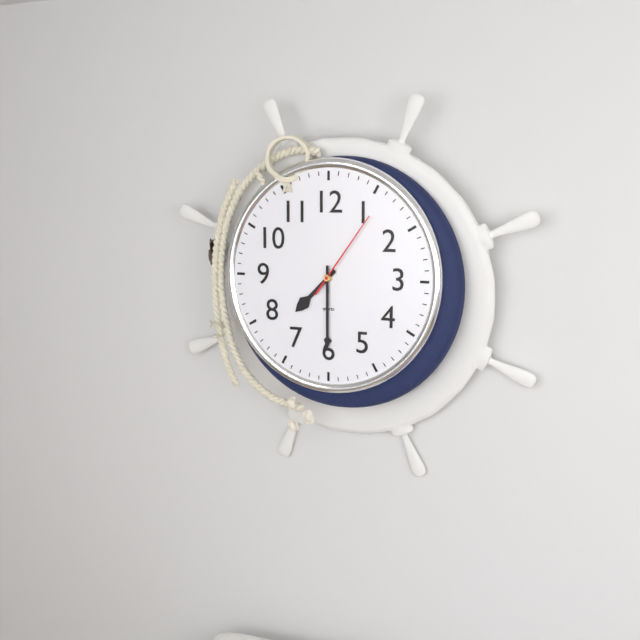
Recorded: 7.30.06
